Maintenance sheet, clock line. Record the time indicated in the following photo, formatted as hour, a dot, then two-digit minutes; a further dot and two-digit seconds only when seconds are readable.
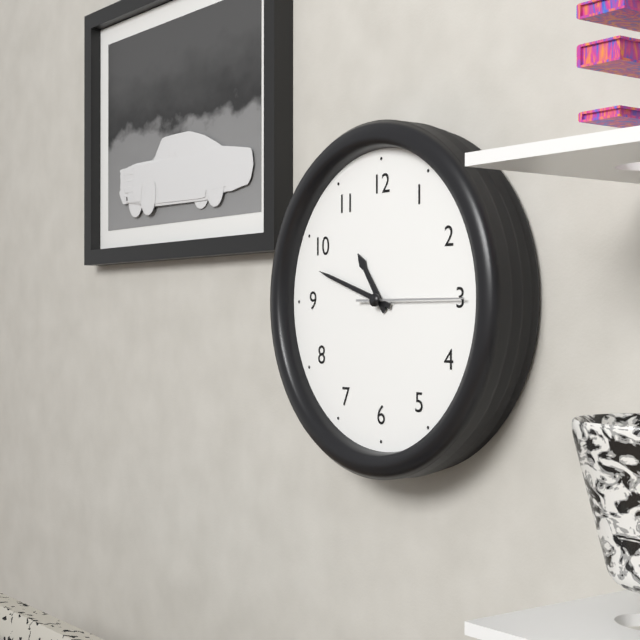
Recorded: 10.48.15
